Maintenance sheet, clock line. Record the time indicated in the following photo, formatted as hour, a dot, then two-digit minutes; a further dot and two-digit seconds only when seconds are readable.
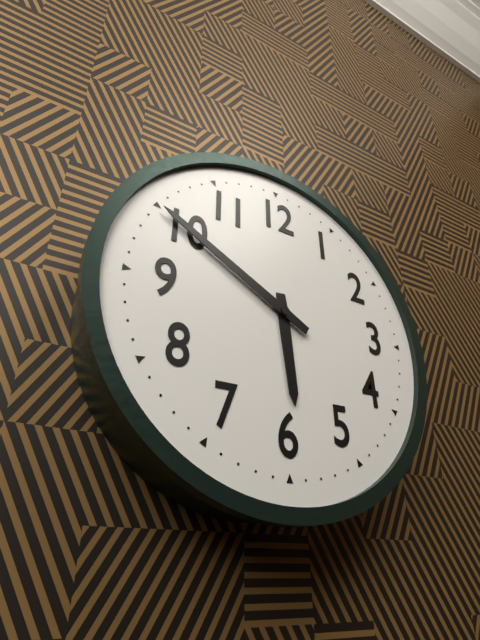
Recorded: 5.50
